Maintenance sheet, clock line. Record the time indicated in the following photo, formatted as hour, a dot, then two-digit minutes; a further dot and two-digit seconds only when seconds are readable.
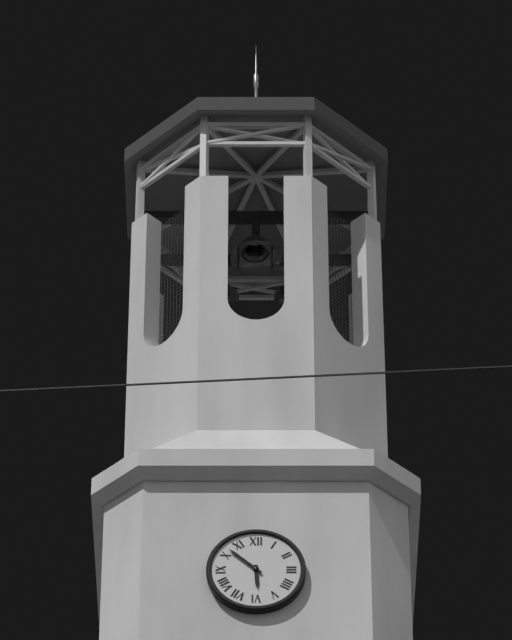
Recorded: 5.52
